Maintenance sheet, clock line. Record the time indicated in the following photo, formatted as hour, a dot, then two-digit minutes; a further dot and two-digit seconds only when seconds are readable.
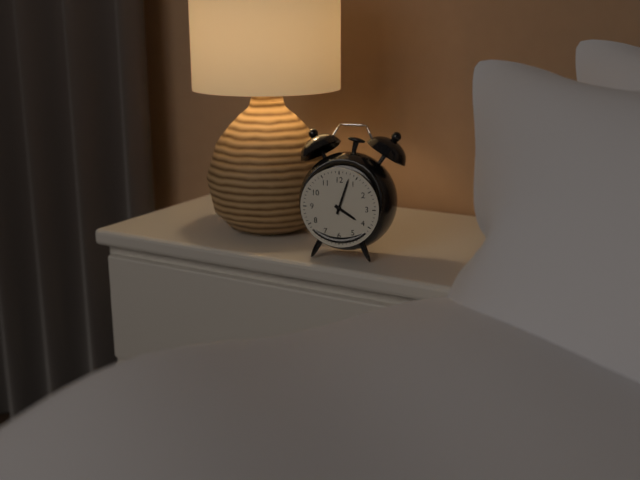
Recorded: 4.03
